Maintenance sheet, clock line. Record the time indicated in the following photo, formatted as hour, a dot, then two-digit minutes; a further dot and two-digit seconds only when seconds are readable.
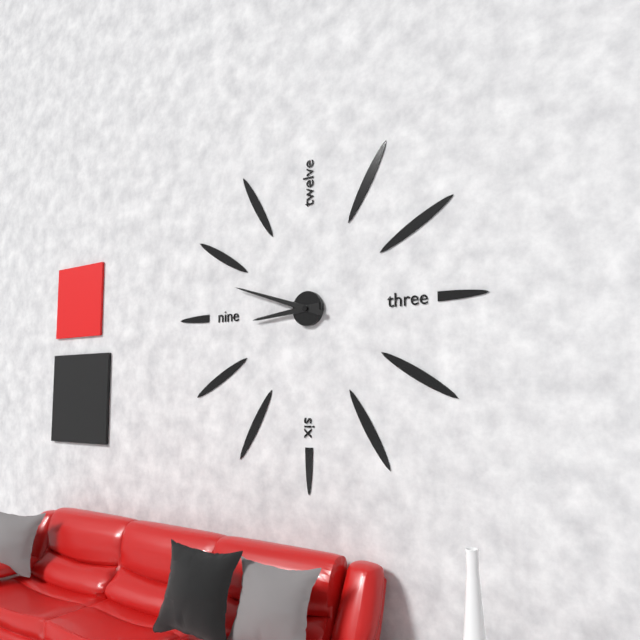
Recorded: 8.48
